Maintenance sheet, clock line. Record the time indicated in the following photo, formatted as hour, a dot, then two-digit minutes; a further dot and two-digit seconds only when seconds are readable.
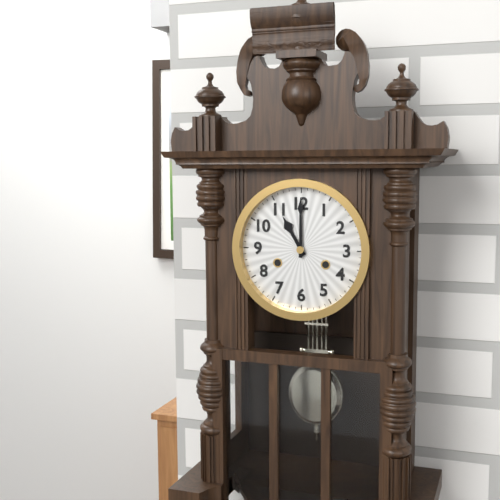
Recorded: 11.00
